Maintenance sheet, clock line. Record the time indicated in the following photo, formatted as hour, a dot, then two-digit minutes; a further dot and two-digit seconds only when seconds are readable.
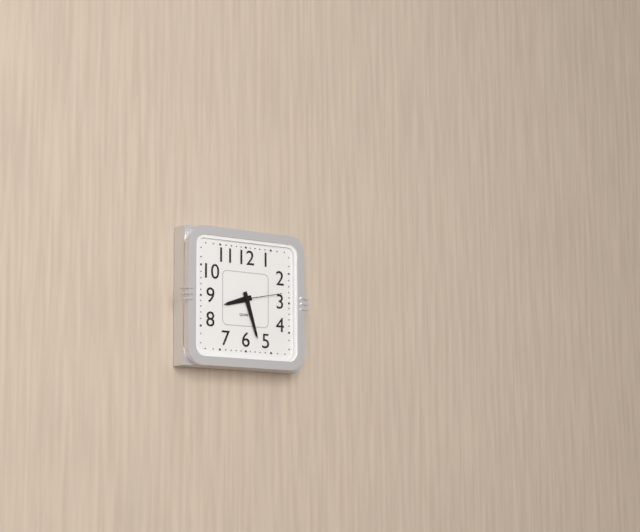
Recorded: 8.27.13
